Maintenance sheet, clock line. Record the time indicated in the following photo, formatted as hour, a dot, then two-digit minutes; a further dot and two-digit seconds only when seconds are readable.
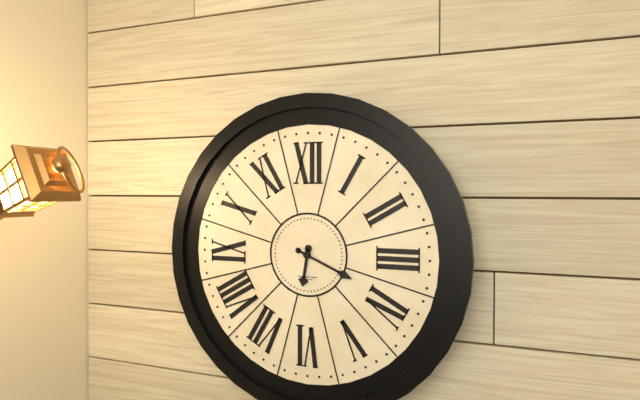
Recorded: 6.19
